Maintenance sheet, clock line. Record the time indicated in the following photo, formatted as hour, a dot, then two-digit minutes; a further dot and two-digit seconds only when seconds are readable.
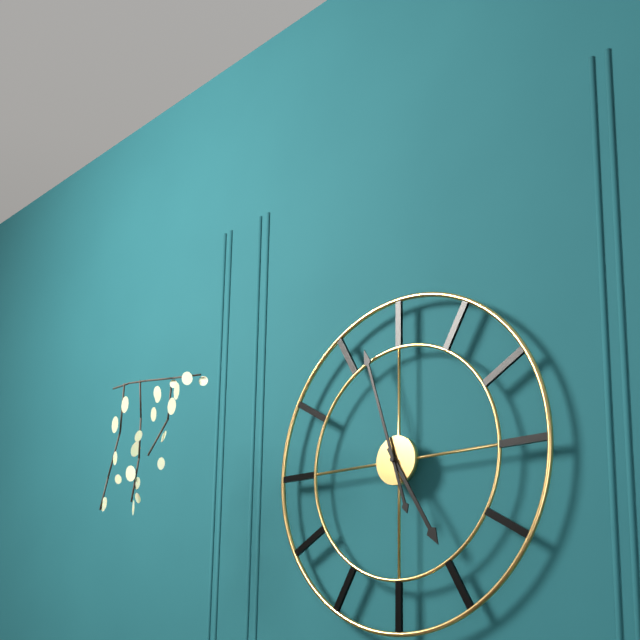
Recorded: 4.57
